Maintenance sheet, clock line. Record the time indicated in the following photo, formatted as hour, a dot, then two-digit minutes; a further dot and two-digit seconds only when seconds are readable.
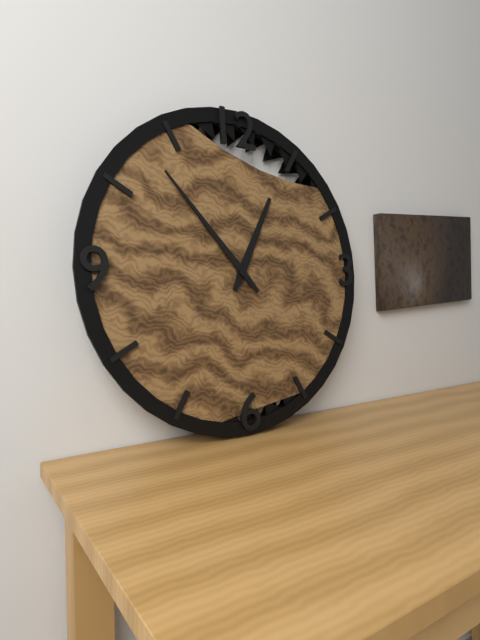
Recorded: 12.53
